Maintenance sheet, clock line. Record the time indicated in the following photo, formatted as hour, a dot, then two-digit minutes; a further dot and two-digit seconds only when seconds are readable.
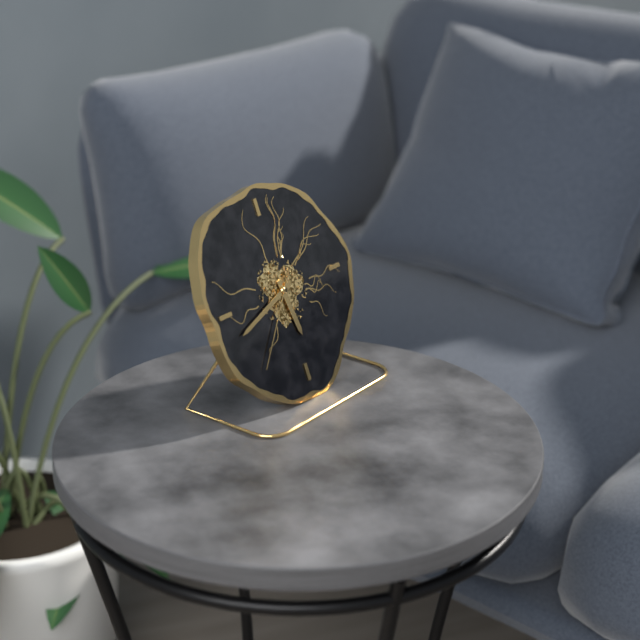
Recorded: 5.42.37
